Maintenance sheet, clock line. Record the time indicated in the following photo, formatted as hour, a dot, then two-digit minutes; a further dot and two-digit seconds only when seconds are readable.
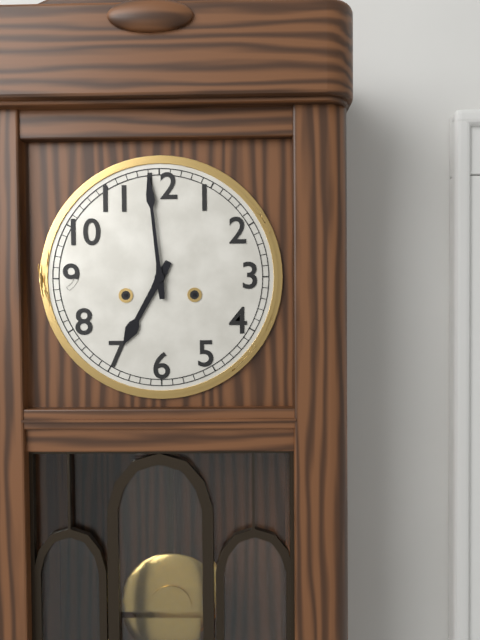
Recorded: 6.59
